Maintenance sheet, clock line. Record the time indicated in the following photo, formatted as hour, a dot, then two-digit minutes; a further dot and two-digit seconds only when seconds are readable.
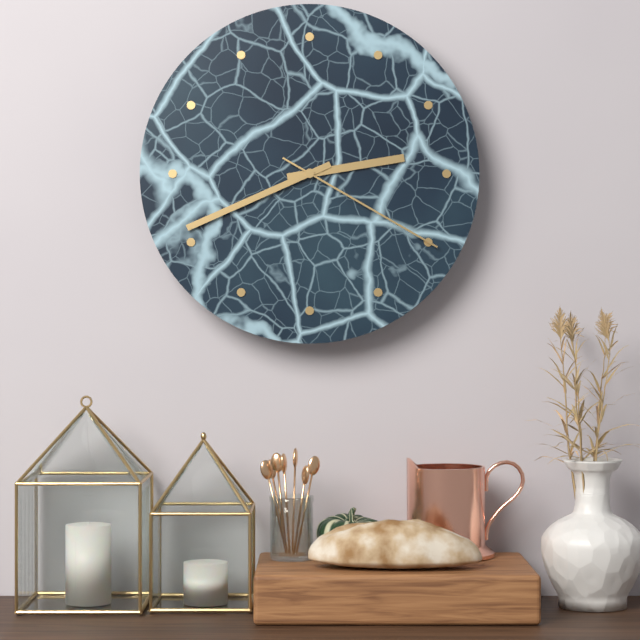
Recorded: 2.41.20
